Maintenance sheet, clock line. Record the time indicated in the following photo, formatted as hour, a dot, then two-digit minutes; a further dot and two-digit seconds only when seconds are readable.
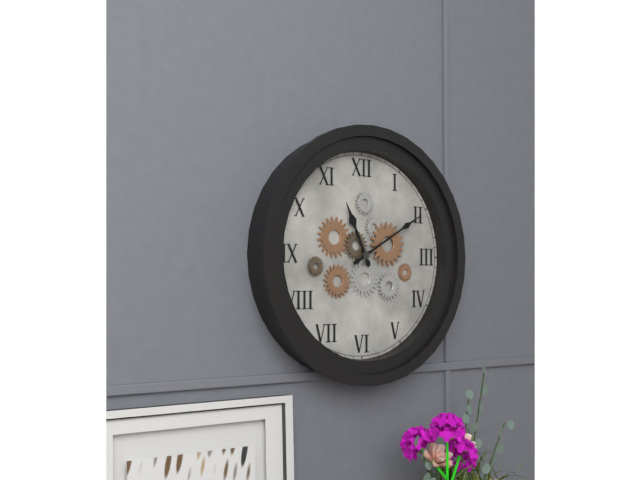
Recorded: 11.10
